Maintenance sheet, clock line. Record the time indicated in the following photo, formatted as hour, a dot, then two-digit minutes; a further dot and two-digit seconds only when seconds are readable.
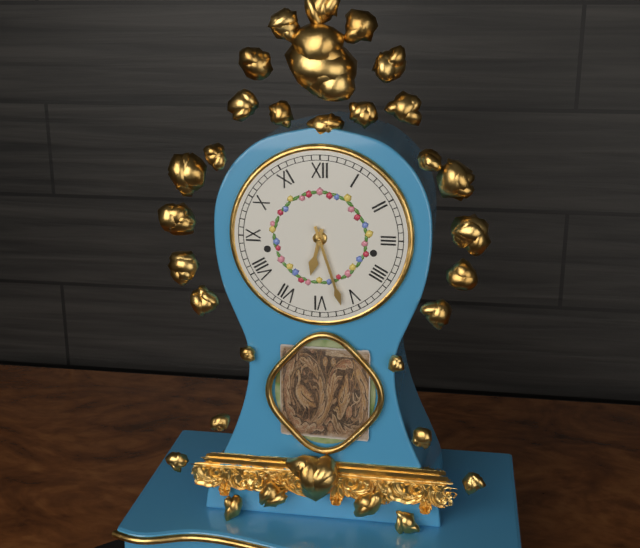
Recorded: 6.27
